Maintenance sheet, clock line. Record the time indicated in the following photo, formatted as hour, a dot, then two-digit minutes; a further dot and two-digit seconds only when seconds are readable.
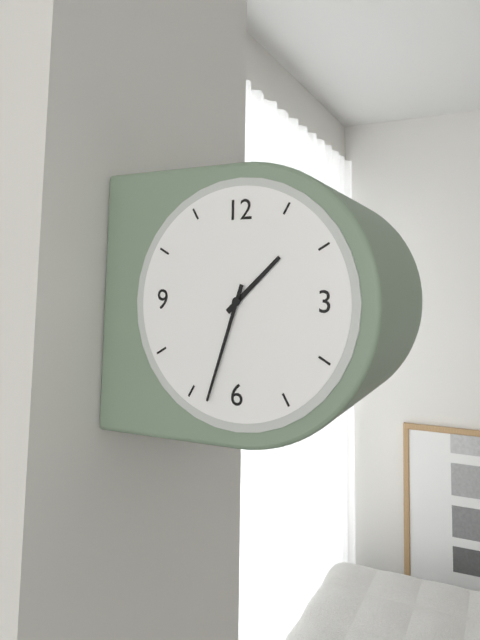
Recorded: 1.33
